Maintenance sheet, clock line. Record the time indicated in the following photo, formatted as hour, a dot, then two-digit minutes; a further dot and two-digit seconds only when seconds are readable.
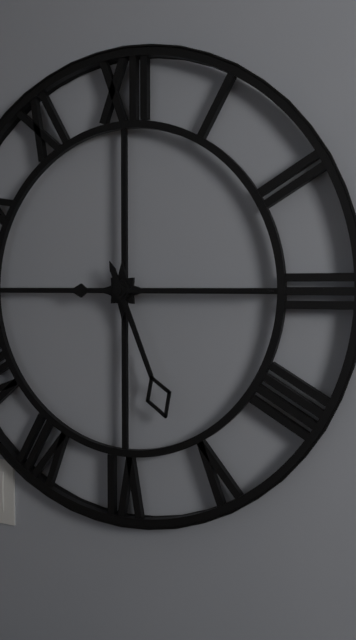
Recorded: 5.15
